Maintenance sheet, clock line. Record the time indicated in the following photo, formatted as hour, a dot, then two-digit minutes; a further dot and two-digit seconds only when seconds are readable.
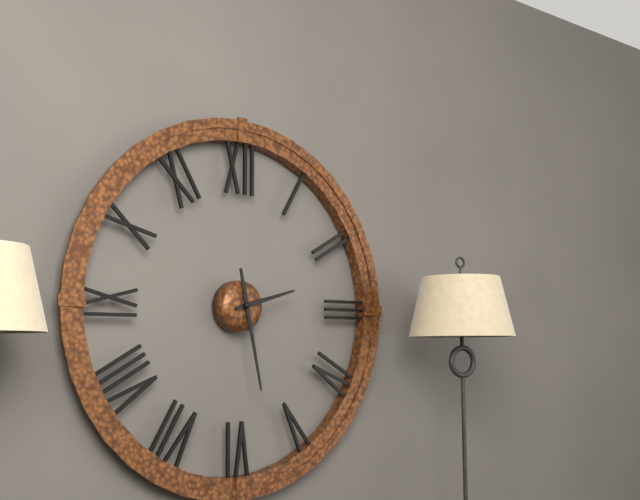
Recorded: 2.28
